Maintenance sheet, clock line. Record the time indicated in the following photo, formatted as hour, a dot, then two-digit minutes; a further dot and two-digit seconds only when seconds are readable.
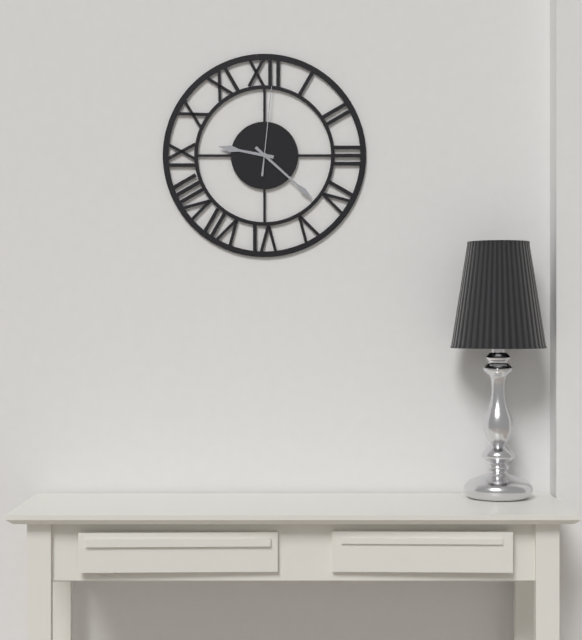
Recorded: 9.22.01
